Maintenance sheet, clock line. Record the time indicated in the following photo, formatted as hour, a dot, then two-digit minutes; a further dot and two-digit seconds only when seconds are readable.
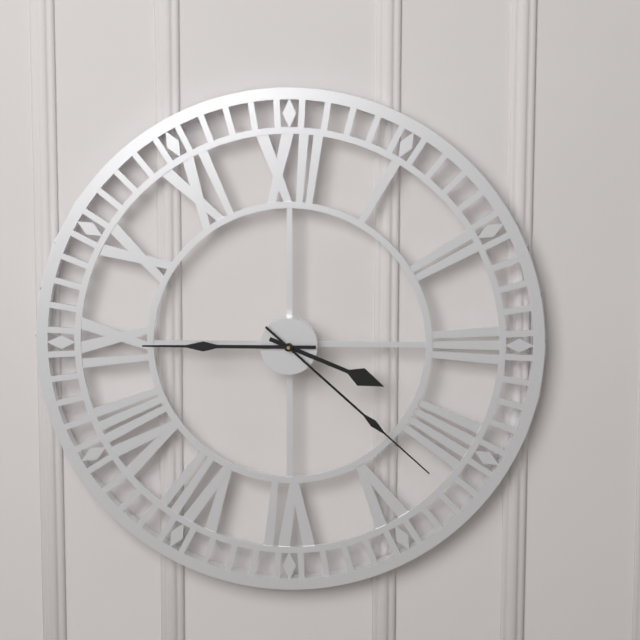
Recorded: 3.45.22
